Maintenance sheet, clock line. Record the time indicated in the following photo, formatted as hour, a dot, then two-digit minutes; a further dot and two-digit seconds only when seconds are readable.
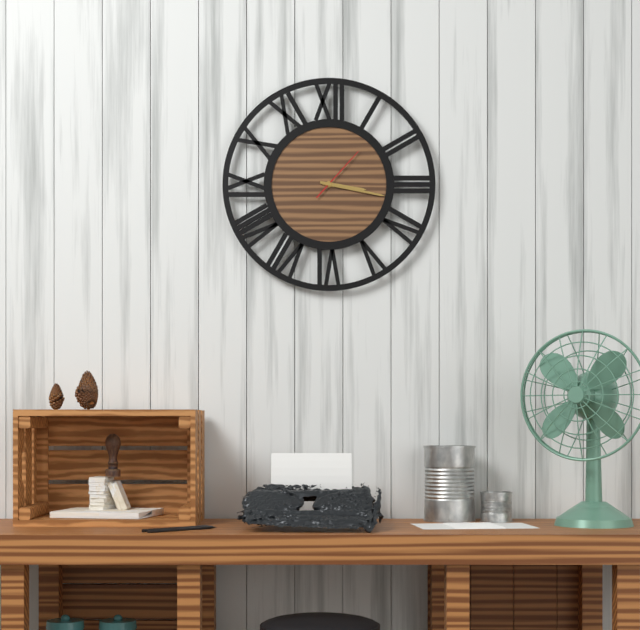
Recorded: 3.17.07
